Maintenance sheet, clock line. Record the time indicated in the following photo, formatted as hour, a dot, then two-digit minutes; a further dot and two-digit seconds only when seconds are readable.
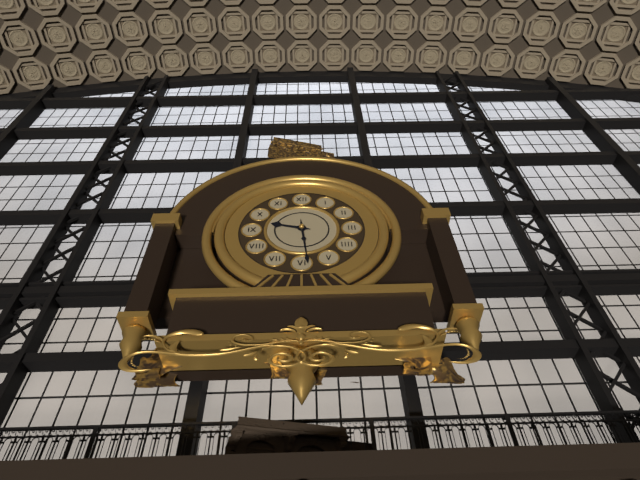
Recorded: 9.29
